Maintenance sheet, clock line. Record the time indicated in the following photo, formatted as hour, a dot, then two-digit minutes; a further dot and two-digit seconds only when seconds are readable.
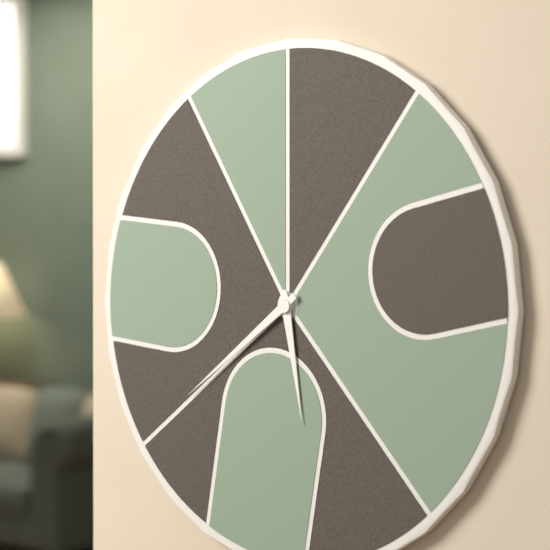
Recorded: 5.39
